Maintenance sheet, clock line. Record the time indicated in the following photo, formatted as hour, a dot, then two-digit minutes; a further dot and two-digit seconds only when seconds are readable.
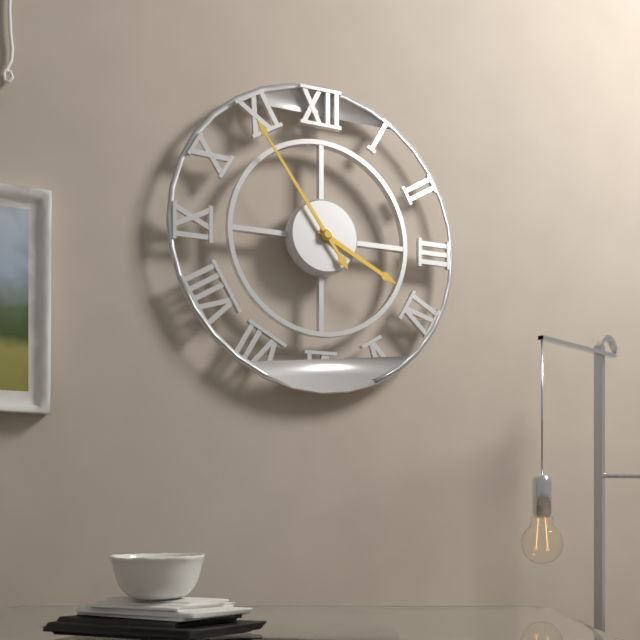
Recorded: 3.54
